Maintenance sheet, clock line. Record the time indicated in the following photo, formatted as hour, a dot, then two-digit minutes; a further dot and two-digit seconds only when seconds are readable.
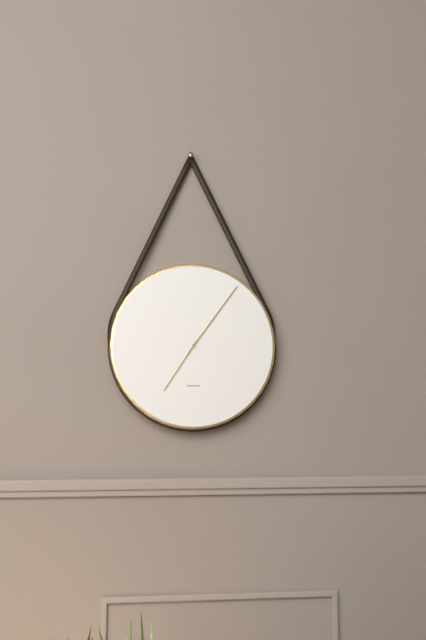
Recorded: 7.06
